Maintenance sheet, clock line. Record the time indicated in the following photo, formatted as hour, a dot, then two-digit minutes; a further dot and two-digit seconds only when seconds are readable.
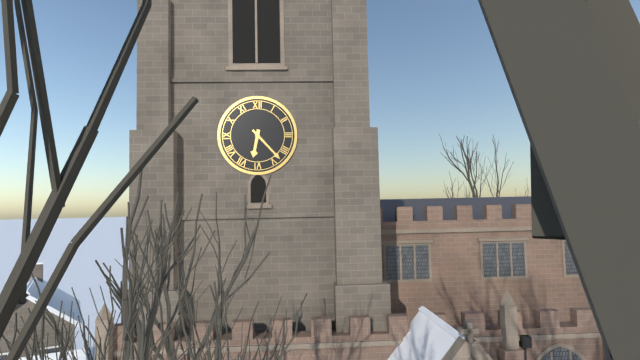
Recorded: 6.23
